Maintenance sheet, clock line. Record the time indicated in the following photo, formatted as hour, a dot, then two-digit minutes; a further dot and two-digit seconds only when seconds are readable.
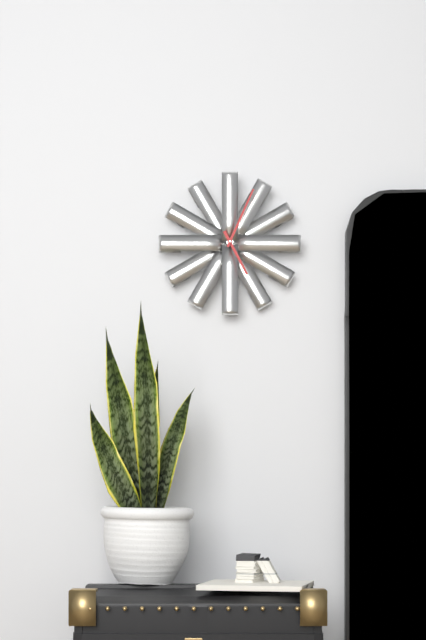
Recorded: 5.04
